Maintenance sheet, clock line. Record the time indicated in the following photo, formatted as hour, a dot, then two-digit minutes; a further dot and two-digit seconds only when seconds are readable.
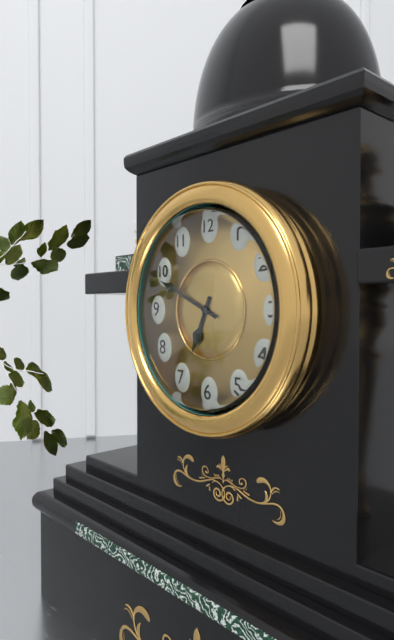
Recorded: 6.49
